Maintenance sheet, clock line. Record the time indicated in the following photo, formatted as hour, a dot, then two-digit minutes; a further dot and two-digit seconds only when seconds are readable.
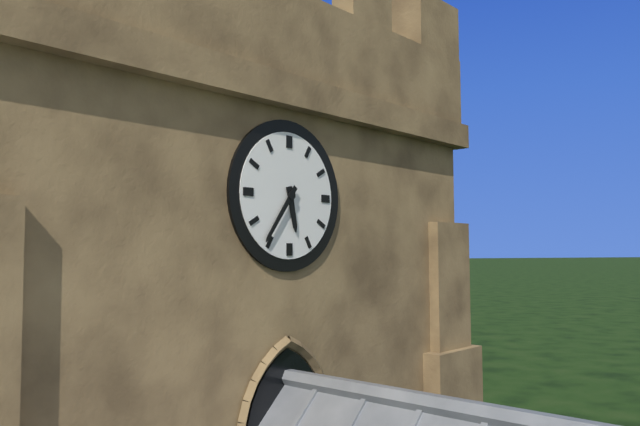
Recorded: 5.36
